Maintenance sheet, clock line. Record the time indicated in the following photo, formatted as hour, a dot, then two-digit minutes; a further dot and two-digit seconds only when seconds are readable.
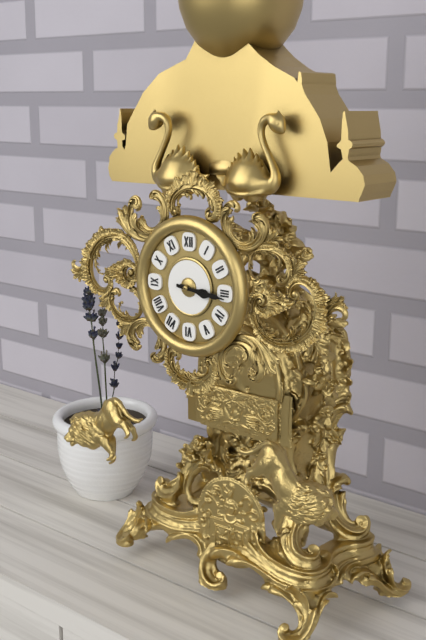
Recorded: 3.16
